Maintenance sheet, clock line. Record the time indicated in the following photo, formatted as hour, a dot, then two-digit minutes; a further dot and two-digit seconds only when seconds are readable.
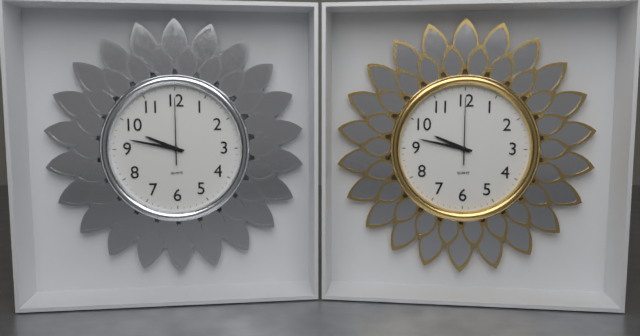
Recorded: 9.47.00
